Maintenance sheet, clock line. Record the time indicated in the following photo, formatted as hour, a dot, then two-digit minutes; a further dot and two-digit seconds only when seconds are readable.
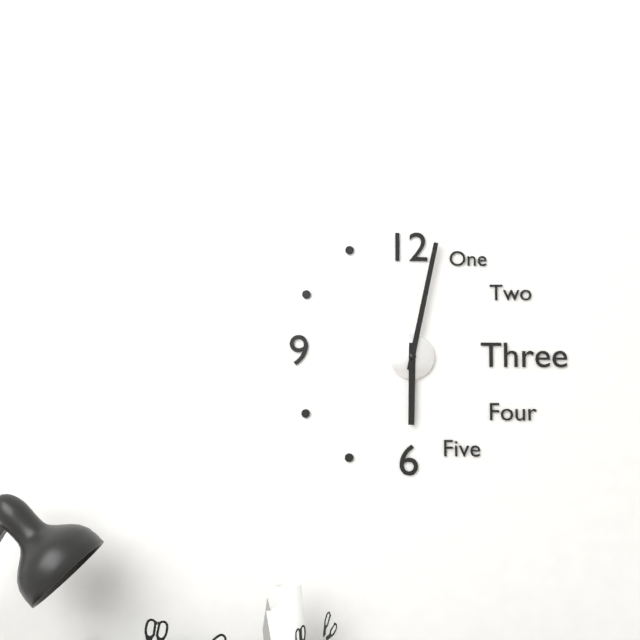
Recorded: 6.02
